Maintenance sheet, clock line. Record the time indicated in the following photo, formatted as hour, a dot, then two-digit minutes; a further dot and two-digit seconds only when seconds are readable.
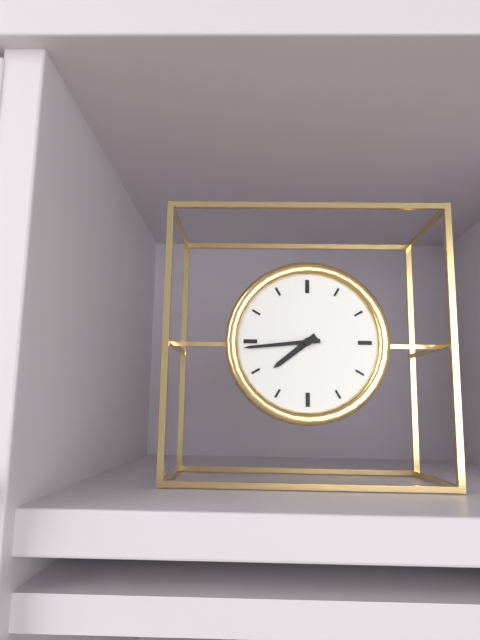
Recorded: 7.44
